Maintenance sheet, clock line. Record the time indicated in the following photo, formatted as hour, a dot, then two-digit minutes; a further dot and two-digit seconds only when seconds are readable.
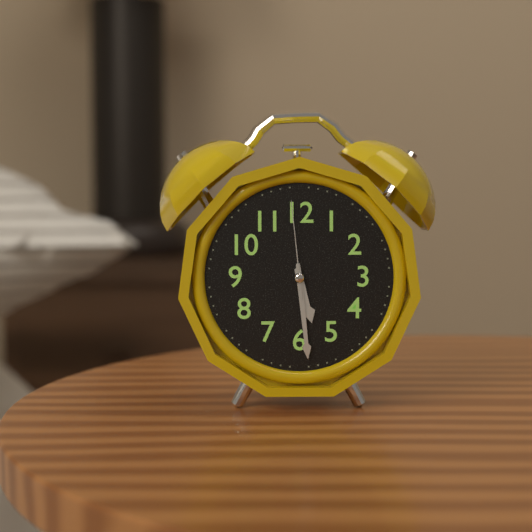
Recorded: 5.29.59
